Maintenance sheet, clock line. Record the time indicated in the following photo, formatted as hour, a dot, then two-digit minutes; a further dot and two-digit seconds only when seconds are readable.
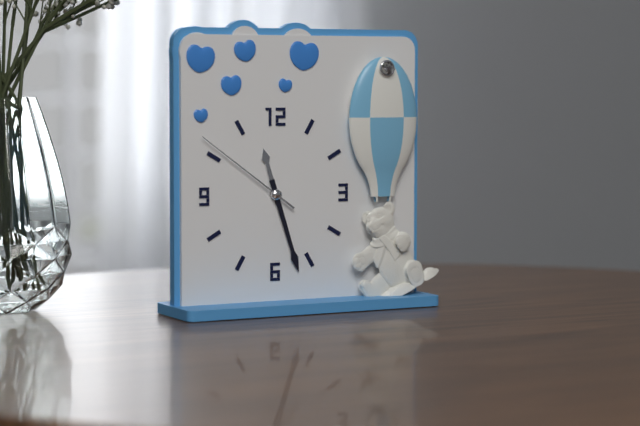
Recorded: 11.27.51
